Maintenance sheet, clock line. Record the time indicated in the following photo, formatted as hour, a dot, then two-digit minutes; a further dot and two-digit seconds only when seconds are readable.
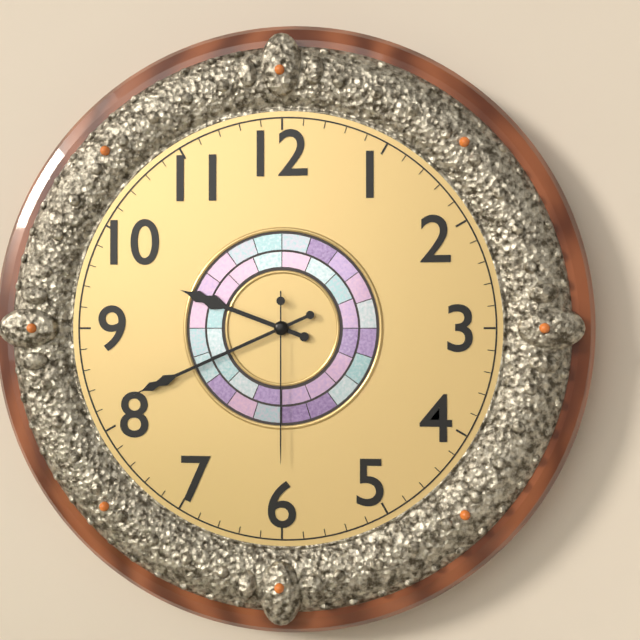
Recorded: 9.41.30
